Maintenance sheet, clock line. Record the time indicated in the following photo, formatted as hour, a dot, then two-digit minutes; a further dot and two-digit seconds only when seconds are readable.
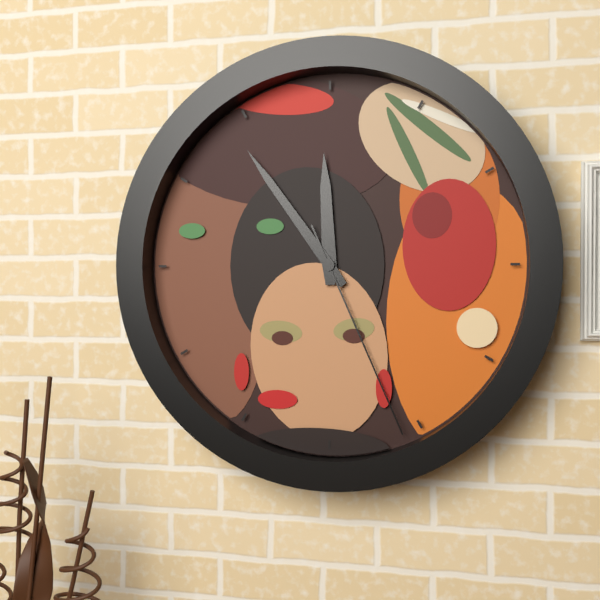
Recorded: 11.54.26
